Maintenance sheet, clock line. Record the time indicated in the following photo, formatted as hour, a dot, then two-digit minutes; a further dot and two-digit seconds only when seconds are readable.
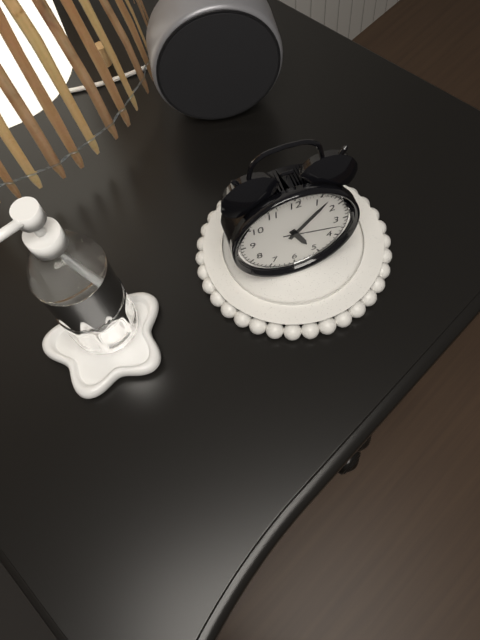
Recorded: 5.07.17
